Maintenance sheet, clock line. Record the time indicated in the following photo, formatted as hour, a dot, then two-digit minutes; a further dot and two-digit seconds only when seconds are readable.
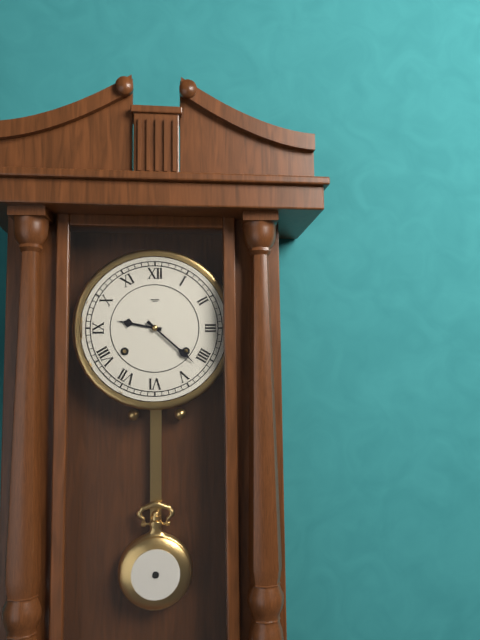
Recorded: 9.22
